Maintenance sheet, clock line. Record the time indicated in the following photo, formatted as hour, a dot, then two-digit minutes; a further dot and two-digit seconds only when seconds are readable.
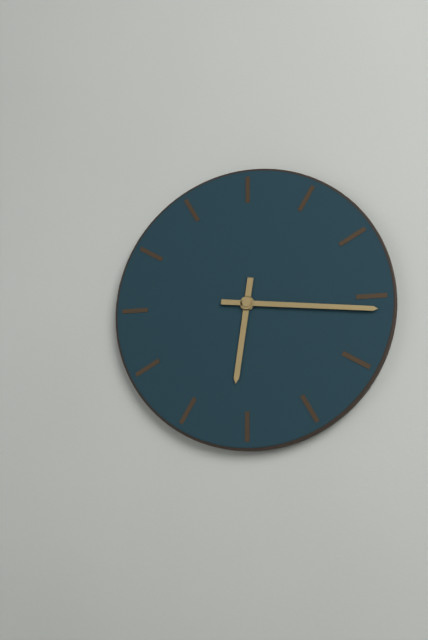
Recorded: 6.16
